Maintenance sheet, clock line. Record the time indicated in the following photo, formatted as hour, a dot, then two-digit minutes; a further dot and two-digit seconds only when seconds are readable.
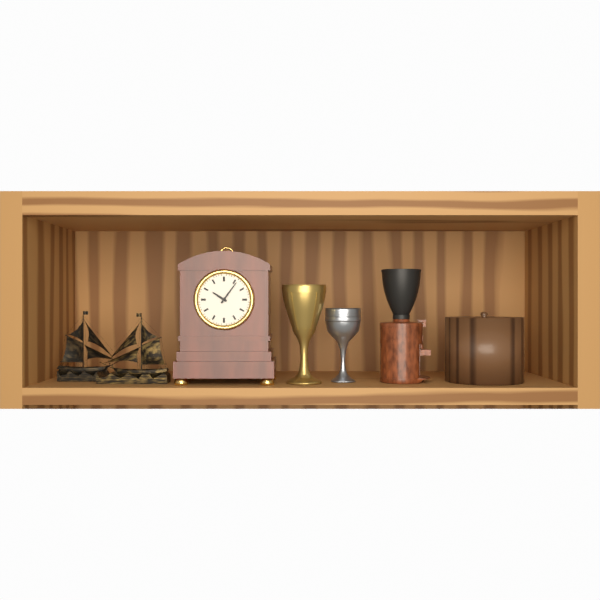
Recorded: 10.06
